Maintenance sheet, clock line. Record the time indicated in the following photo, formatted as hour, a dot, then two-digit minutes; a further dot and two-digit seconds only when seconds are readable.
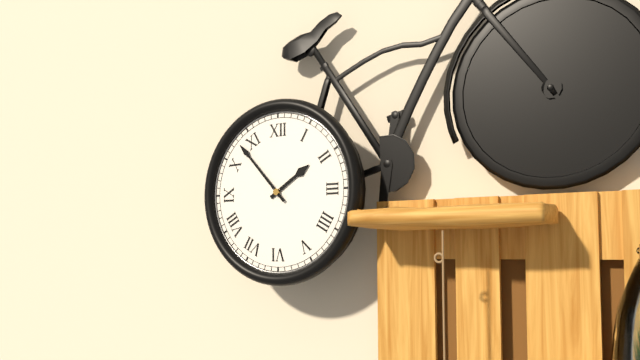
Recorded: 1.53
